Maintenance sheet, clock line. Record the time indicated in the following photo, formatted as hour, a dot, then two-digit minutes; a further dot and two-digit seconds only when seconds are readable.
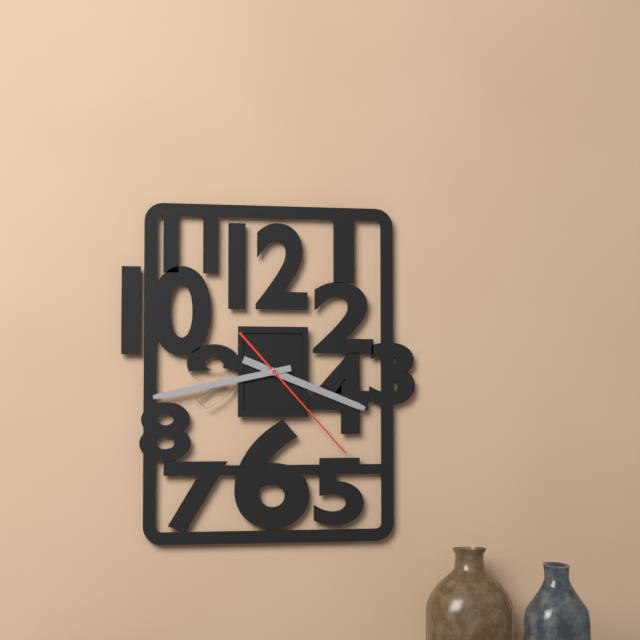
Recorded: 3.43.23
